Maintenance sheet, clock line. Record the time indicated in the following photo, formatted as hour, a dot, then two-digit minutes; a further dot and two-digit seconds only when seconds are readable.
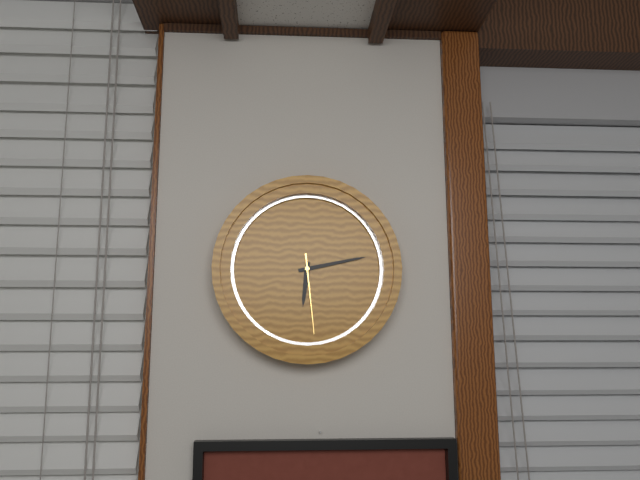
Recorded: 6.13.29
